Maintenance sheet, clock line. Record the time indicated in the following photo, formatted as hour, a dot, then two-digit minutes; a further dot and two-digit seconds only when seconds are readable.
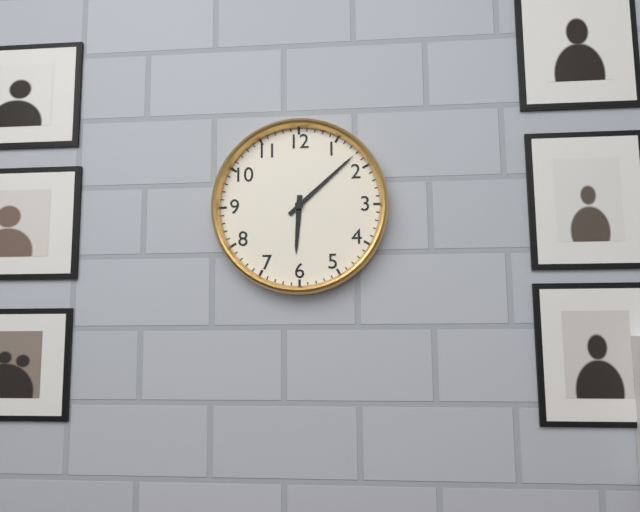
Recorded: 6.08
